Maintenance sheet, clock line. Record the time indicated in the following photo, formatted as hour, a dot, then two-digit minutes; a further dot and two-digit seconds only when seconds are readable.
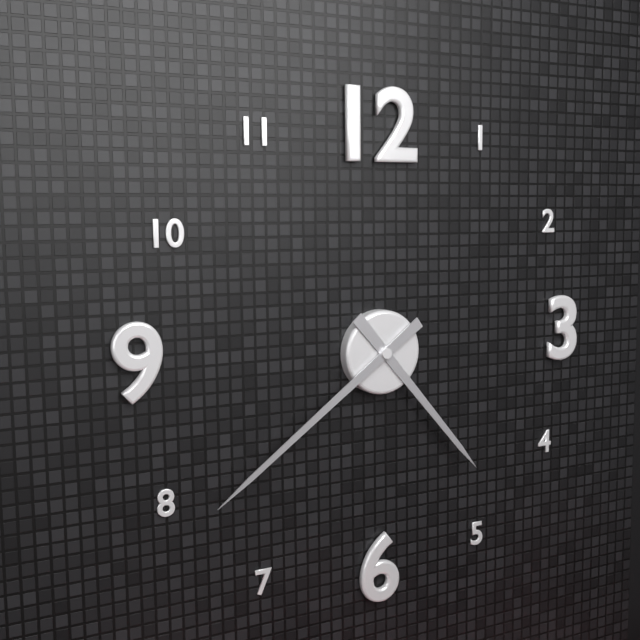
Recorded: 4.39
